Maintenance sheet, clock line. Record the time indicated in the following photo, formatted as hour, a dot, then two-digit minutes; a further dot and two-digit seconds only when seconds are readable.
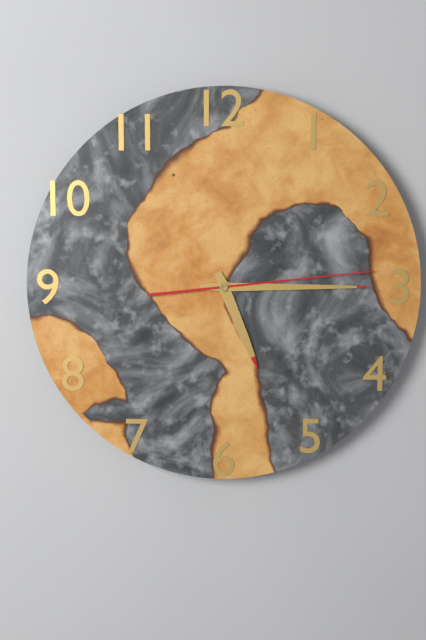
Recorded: 5.15.14
